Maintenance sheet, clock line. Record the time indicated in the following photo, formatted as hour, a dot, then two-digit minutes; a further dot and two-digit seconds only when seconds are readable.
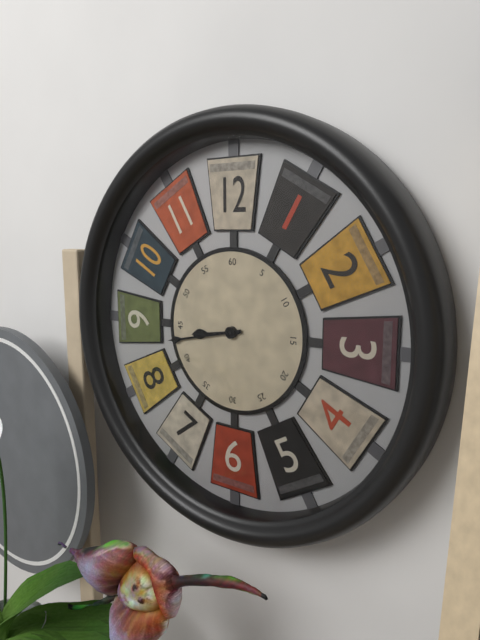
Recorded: 8.43
